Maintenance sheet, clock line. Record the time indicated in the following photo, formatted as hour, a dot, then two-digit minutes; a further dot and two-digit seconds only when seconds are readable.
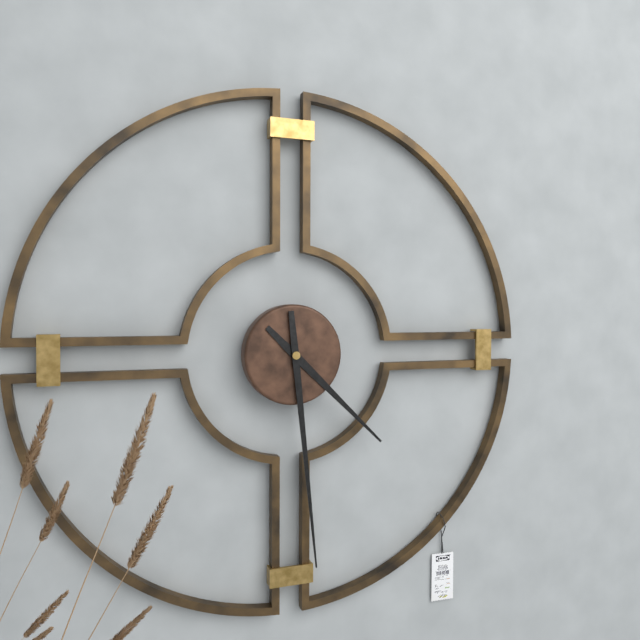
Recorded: 4.29
